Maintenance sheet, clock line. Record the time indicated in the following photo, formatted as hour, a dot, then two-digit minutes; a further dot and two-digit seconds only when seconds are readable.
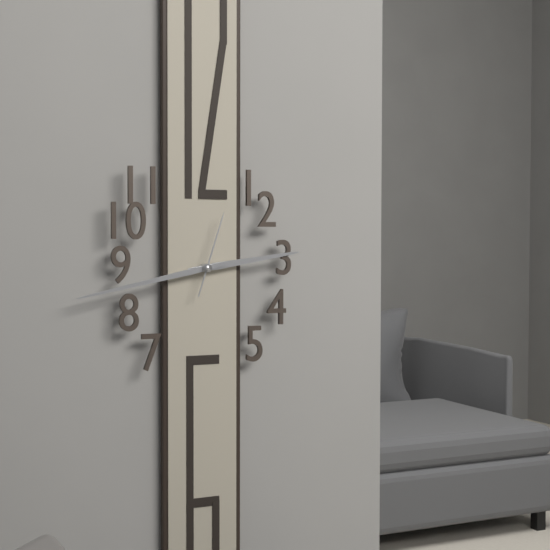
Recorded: 2.43.03
